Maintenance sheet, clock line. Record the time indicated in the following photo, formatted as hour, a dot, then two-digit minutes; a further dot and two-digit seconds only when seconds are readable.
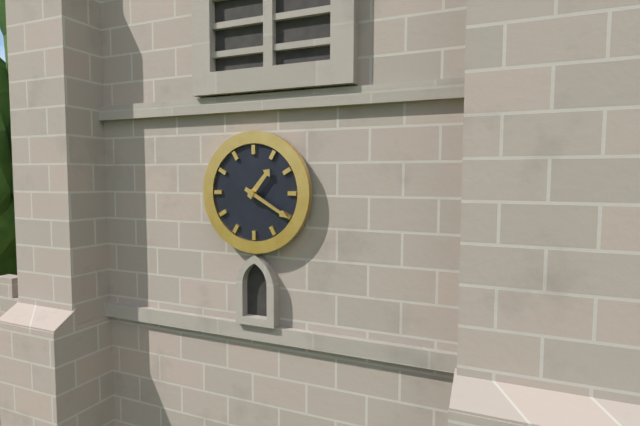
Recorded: 1.20
